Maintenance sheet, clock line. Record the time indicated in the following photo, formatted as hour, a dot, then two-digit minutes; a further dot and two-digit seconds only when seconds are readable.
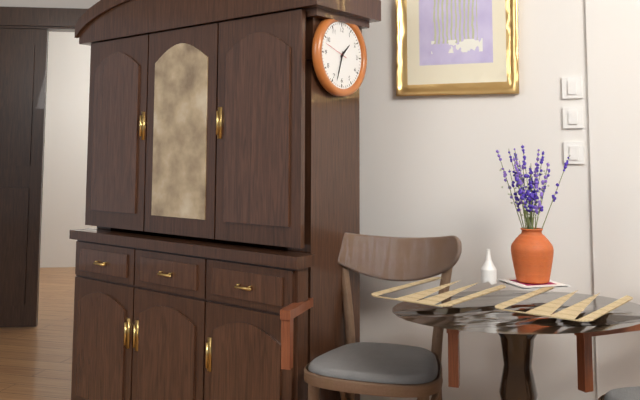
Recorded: 1.33
